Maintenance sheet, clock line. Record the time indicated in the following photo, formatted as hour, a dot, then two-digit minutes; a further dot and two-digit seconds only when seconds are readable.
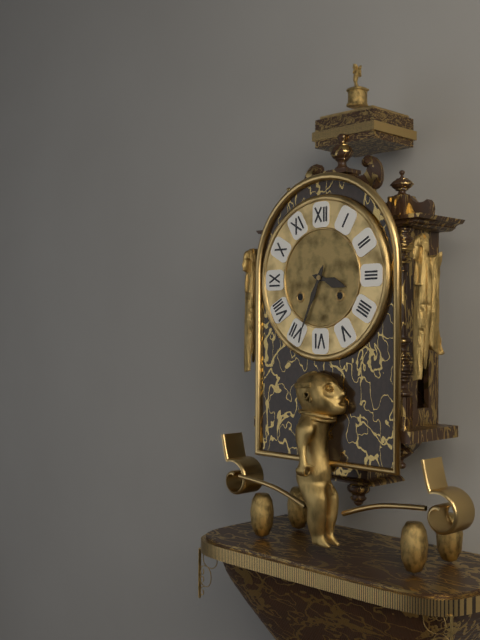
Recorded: 3.34
